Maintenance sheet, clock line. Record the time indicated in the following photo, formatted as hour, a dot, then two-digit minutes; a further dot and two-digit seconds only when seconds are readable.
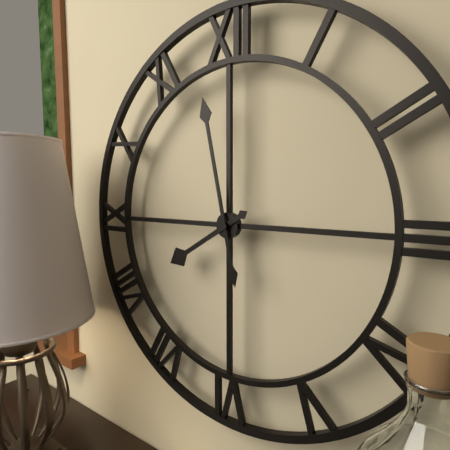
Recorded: 7.58
